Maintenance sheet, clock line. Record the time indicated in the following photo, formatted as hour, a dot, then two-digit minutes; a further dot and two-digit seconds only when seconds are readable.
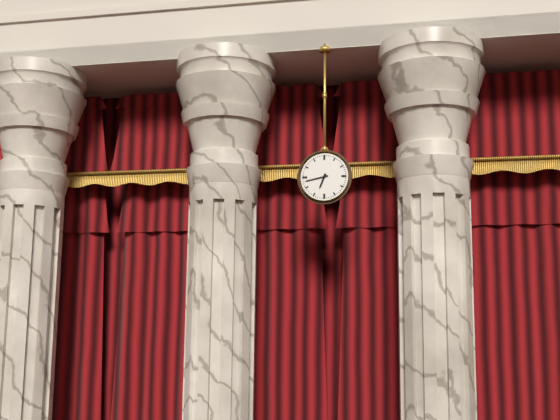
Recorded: 6.43
